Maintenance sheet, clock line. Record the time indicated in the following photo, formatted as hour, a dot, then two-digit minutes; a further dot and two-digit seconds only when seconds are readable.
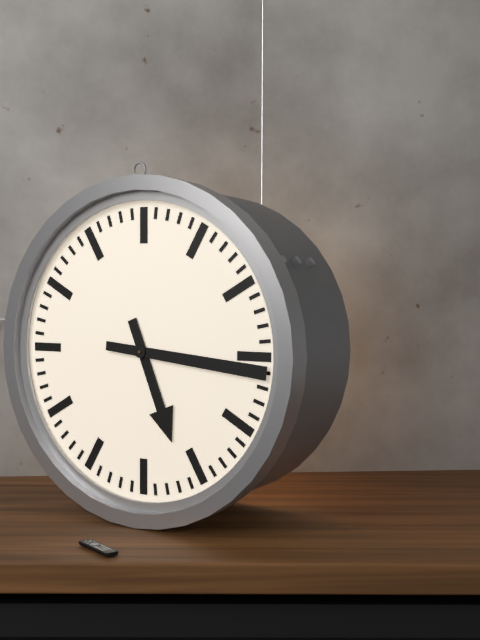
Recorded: 5.16
